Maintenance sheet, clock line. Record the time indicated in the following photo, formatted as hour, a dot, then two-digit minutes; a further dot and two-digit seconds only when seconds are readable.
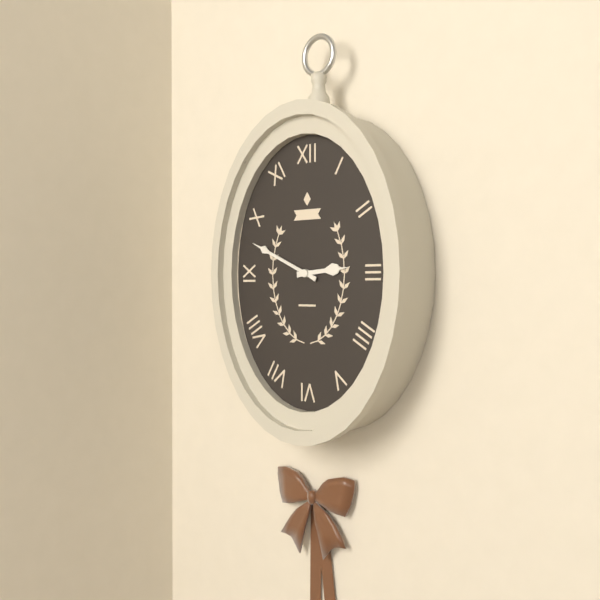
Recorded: 2.49
